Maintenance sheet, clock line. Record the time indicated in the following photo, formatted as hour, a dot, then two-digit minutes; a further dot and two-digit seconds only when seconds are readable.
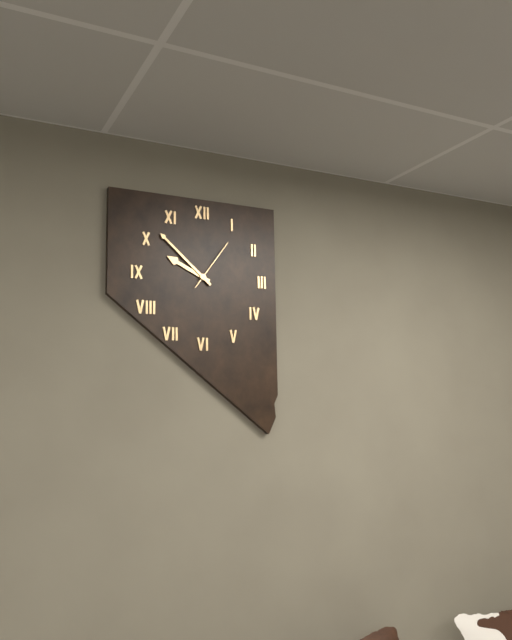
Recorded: 9.52.06
